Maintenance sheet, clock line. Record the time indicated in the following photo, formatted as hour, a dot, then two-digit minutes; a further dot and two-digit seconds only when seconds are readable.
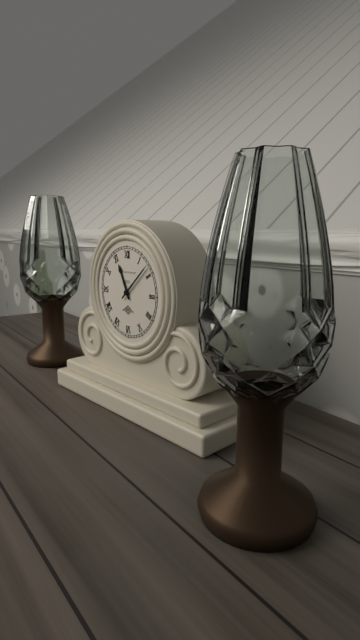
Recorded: 11.08
